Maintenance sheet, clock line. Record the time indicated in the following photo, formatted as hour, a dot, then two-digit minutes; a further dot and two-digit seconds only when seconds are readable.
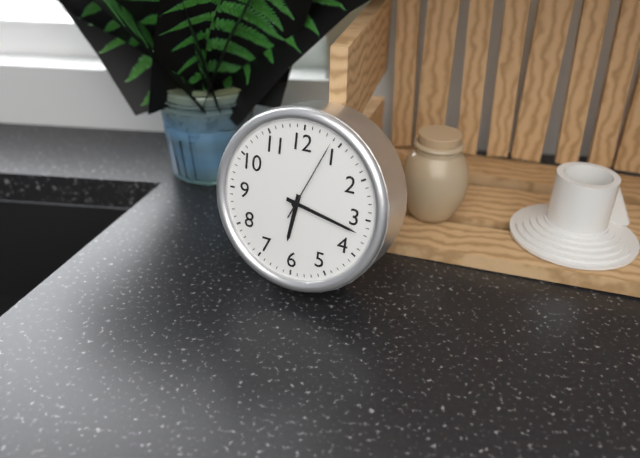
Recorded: 6.17.04
